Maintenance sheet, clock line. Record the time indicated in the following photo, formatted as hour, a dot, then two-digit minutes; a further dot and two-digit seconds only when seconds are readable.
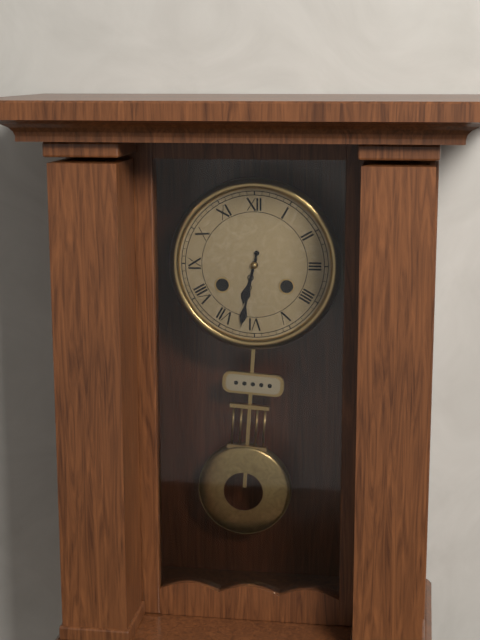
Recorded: 6.32
